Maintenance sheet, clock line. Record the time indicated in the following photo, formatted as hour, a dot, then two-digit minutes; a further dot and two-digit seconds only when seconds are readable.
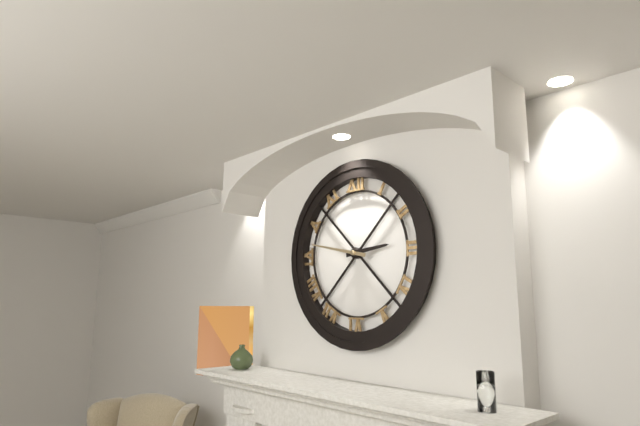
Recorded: 2.47
